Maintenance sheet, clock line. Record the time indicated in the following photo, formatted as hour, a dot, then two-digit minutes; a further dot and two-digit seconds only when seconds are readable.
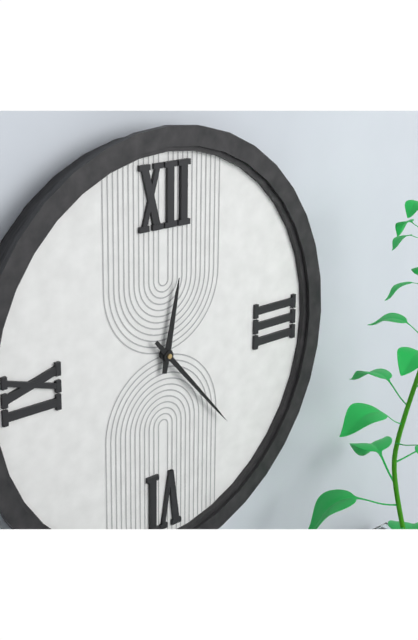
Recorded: 12.23
